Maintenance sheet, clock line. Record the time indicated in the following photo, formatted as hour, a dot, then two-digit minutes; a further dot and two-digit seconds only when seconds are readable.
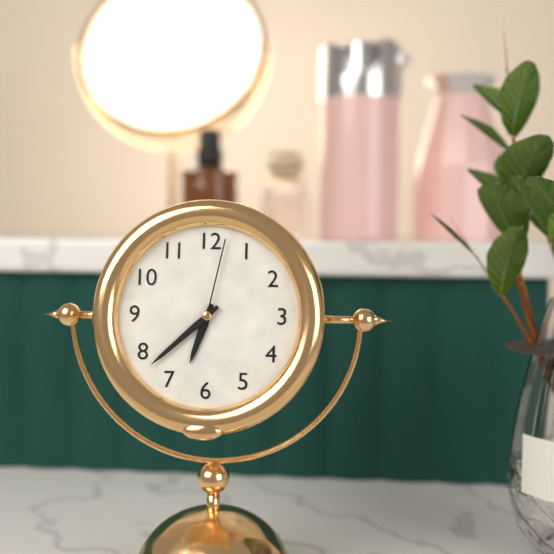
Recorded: 6.38.02
